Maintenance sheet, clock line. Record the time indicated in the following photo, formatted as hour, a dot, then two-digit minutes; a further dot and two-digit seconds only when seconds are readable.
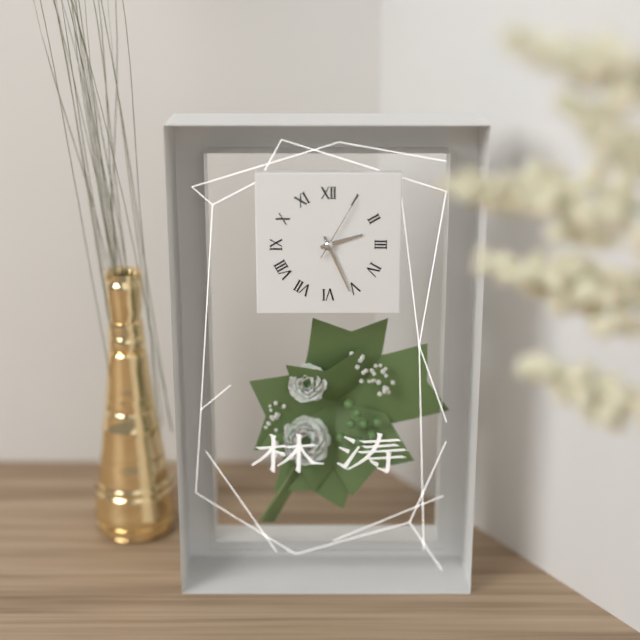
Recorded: 2.26.05
